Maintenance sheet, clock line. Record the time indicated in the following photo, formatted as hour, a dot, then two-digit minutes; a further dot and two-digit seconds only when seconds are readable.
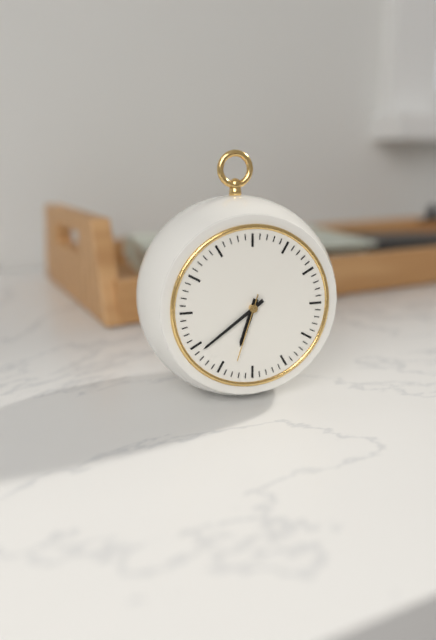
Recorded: 6.39.33
